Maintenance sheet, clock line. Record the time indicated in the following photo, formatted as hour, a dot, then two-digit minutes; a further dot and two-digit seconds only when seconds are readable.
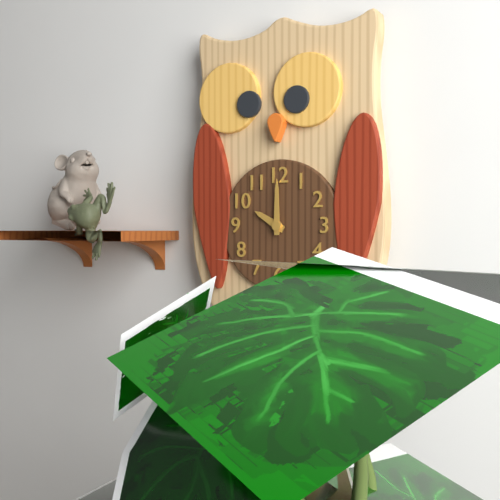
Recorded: 10.00
